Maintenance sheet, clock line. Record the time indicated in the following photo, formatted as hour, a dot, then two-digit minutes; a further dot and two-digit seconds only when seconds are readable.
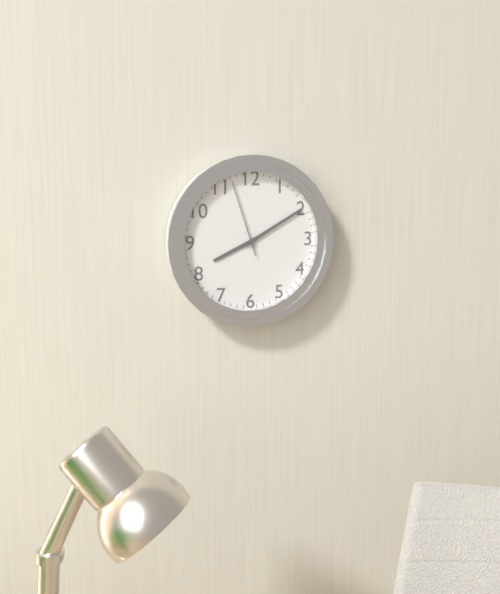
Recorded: 8.10.57
